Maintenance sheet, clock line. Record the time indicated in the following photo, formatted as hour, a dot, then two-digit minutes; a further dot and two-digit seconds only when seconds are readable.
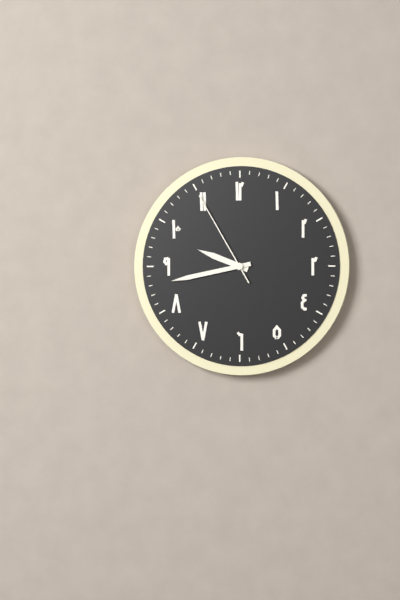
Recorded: 9.43.55
